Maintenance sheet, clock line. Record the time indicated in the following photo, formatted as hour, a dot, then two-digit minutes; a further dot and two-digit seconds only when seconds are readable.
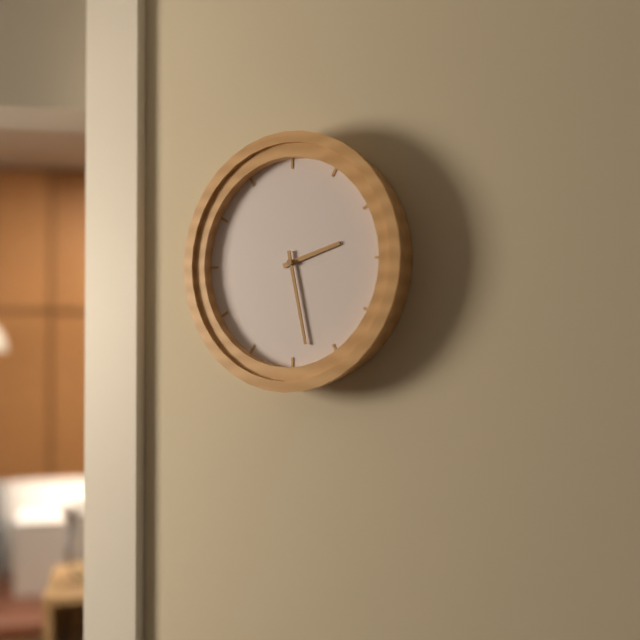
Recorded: 2.28
